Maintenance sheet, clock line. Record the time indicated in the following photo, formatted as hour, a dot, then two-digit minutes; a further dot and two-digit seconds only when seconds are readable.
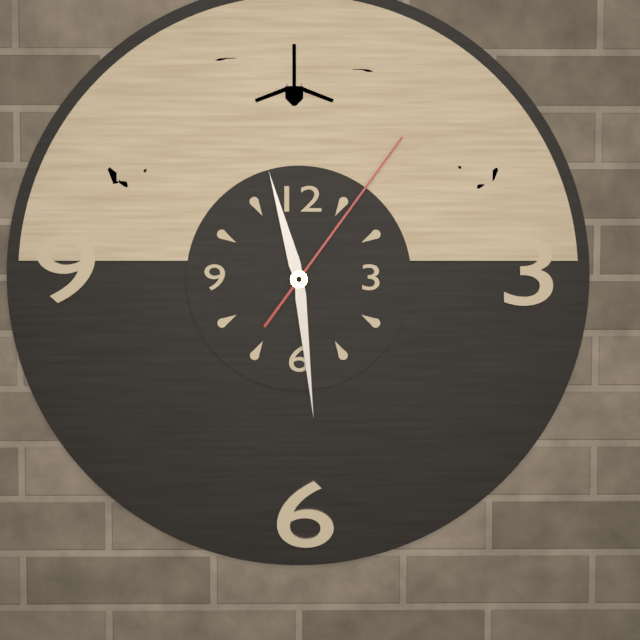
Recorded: 11.29.06
